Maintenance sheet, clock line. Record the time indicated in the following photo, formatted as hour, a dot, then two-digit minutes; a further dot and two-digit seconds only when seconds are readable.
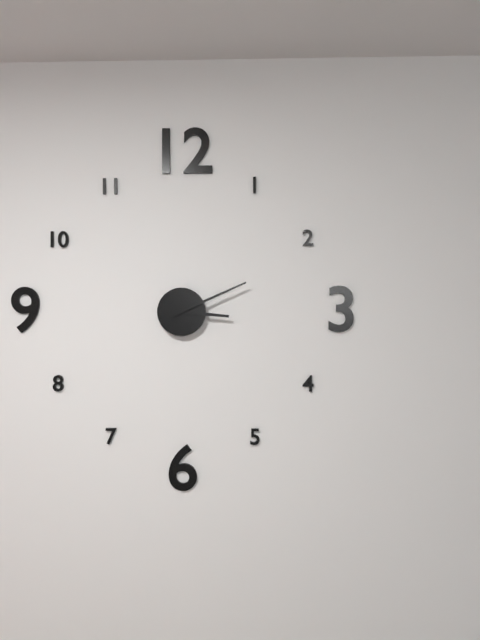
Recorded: 3.11
